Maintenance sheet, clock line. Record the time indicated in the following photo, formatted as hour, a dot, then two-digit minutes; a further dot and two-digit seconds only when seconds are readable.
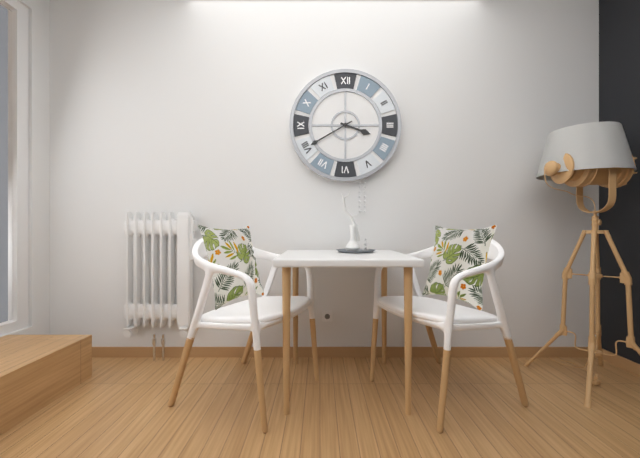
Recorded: 3.40
